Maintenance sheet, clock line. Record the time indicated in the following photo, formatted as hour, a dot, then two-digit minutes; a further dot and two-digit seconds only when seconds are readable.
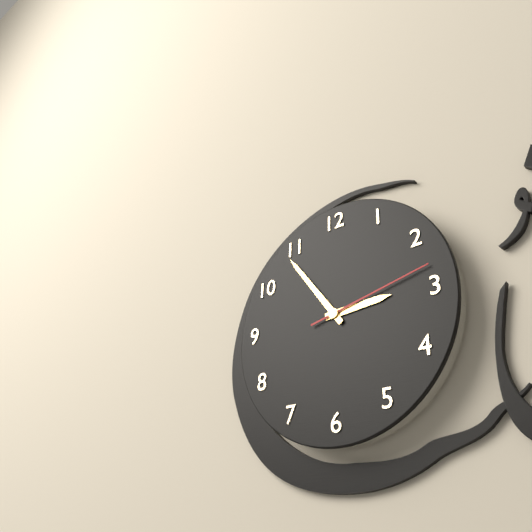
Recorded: 2.54.13
